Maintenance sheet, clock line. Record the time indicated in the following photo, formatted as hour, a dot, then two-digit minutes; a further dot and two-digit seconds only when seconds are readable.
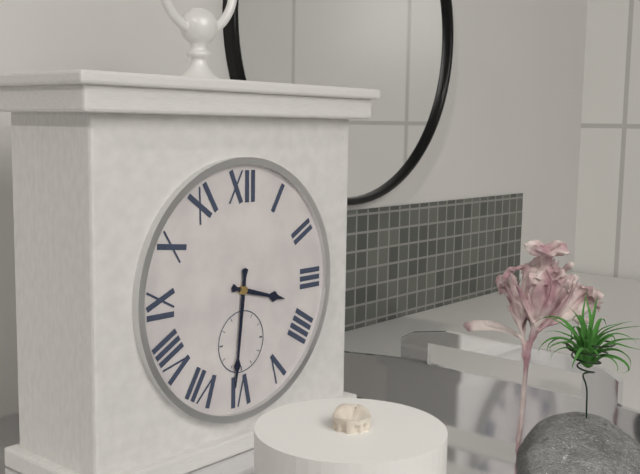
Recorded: 3.31
